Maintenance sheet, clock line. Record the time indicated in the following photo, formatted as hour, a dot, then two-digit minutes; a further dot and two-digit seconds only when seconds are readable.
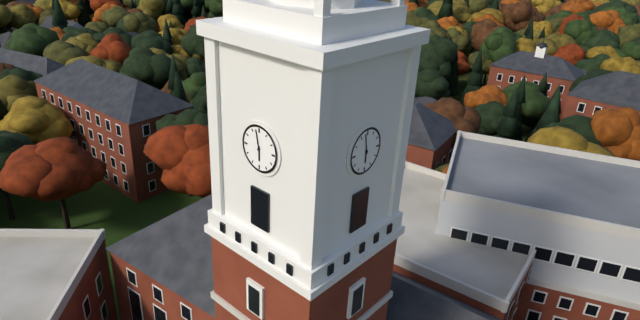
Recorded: 5.58
